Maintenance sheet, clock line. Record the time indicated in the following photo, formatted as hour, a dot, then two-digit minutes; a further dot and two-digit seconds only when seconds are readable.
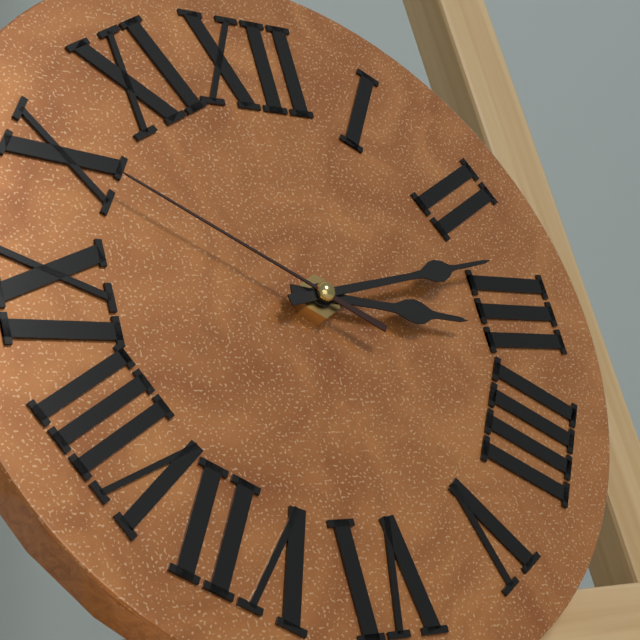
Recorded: 3.13.50
